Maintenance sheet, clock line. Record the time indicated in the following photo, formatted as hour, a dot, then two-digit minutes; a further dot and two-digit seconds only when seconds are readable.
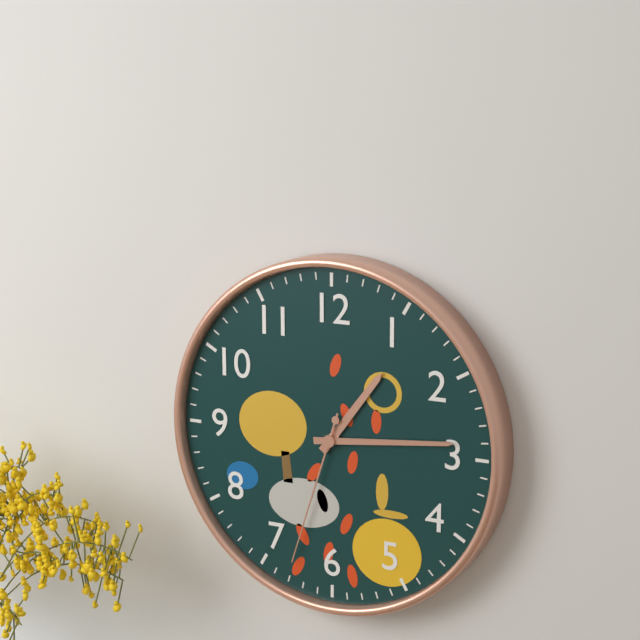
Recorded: 1.14.33
